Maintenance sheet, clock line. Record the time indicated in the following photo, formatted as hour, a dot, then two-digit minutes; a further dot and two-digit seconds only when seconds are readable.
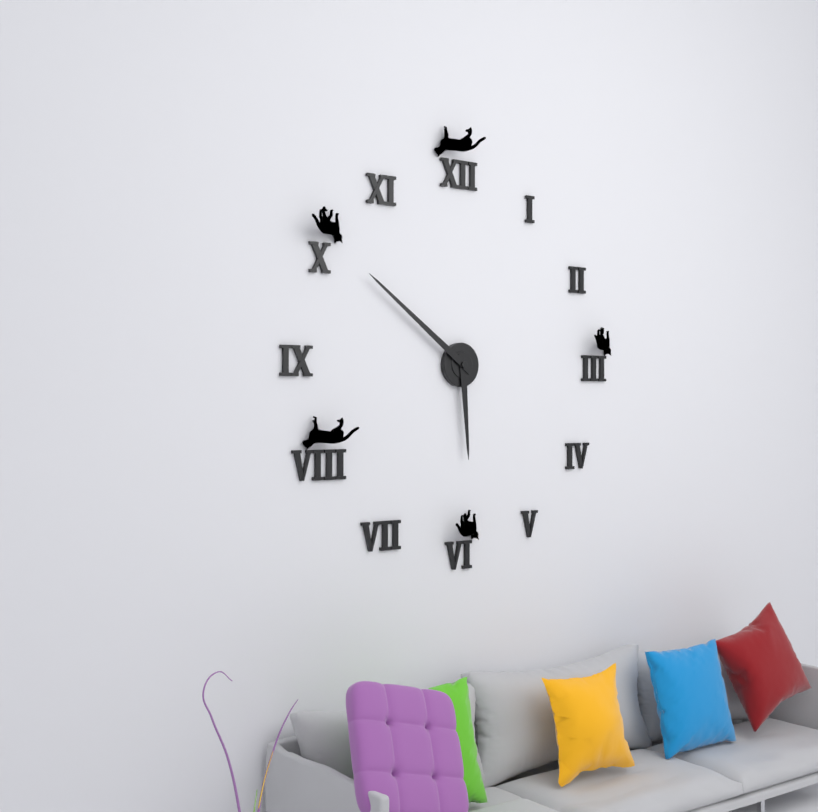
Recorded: 5.51
